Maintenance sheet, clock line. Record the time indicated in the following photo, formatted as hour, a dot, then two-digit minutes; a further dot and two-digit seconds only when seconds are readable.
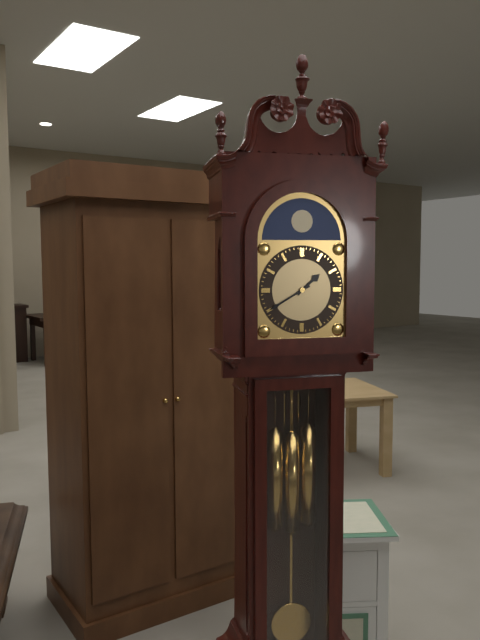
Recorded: 1.40
